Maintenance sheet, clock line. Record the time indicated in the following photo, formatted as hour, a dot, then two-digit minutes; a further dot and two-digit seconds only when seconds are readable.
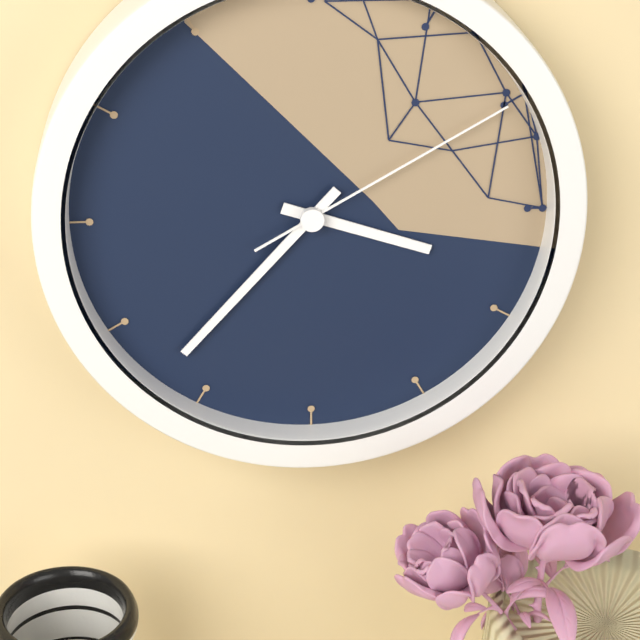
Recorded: 3.37.10
